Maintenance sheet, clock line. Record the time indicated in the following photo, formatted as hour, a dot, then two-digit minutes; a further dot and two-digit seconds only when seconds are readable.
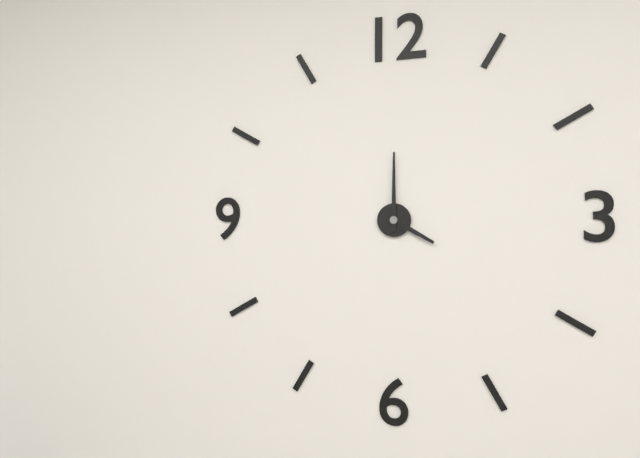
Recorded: 4.00
